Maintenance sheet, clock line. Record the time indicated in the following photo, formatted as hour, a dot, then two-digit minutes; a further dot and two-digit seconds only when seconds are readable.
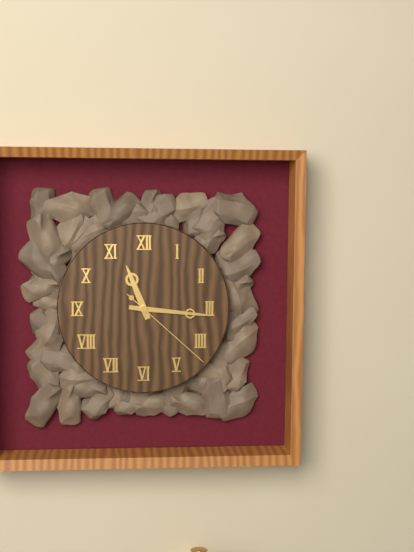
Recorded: 11.16.22
